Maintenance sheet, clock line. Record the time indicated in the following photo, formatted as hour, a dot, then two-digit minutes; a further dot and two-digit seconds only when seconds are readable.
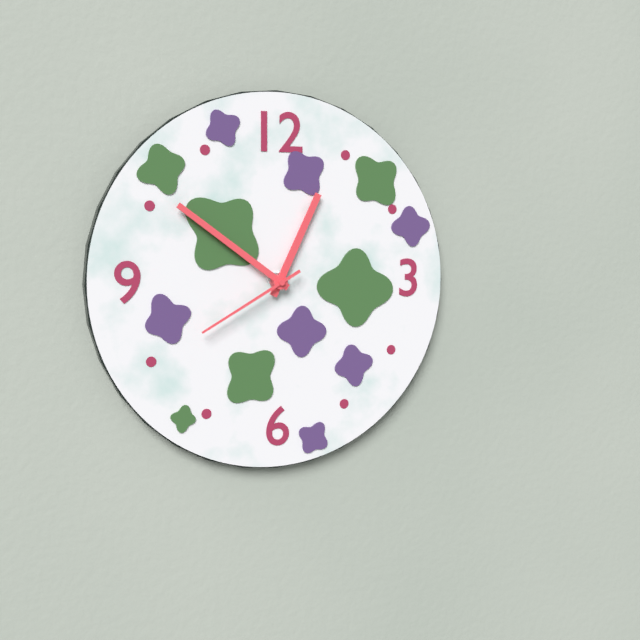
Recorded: 12.51.40
